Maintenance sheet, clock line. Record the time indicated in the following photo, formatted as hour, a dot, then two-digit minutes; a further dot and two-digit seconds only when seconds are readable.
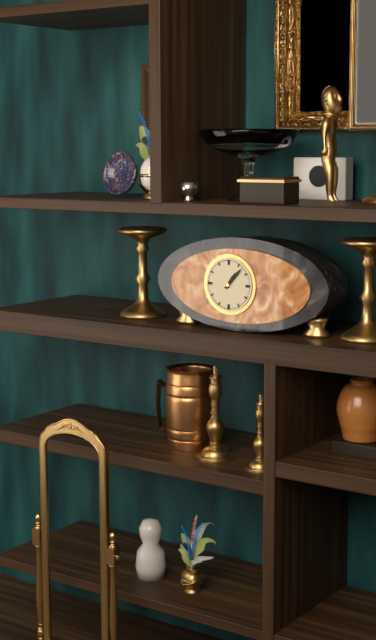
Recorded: 1.07
